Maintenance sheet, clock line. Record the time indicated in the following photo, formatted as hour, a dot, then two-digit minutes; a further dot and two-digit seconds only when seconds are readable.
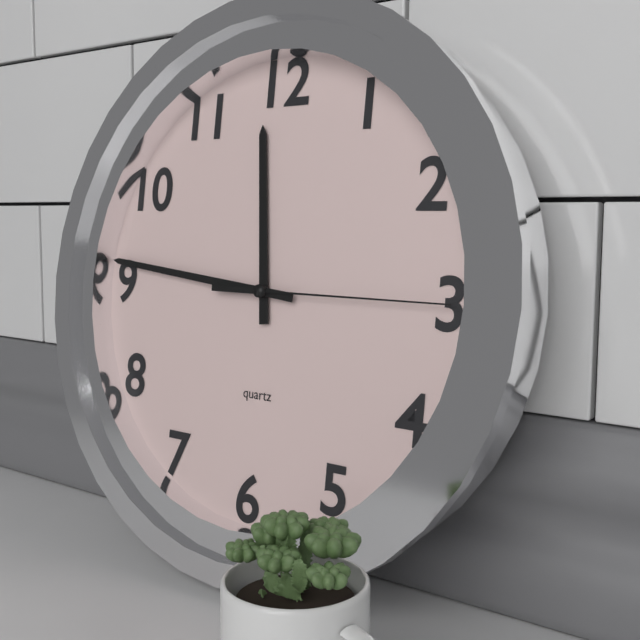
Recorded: 11.46.15
